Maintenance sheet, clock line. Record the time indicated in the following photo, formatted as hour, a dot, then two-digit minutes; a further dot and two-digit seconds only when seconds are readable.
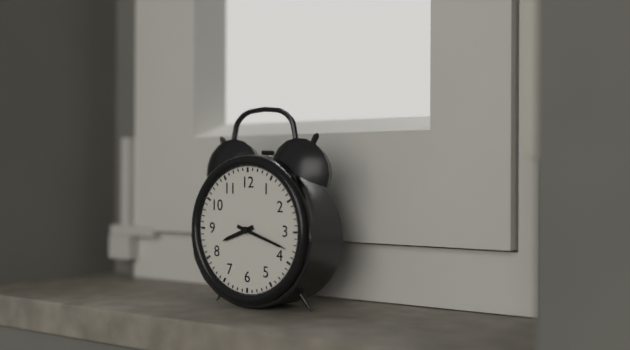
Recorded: 8.18
